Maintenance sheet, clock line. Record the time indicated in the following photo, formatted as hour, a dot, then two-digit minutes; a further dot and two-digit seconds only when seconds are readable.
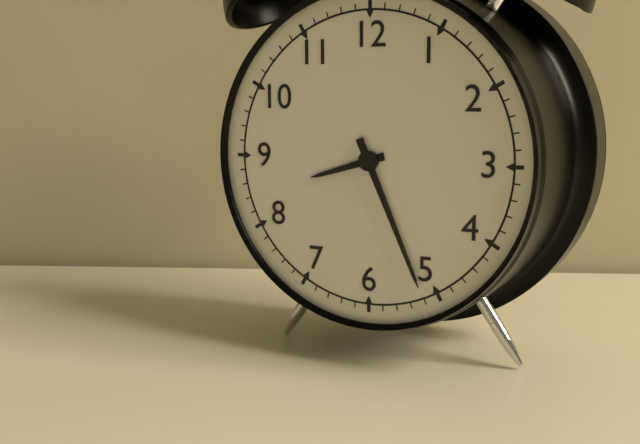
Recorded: 8.26
